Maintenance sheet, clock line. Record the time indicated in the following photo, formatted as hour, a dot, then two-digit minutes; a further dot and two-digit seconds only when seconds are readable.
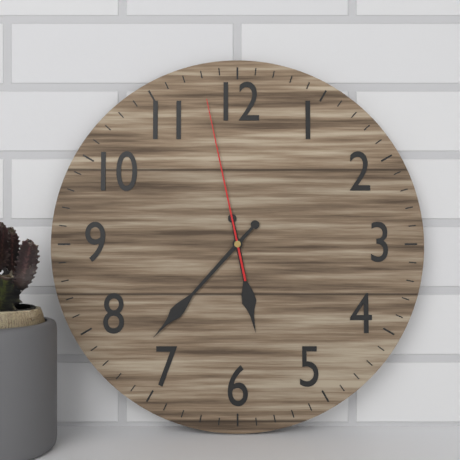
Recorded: 5.37.58
